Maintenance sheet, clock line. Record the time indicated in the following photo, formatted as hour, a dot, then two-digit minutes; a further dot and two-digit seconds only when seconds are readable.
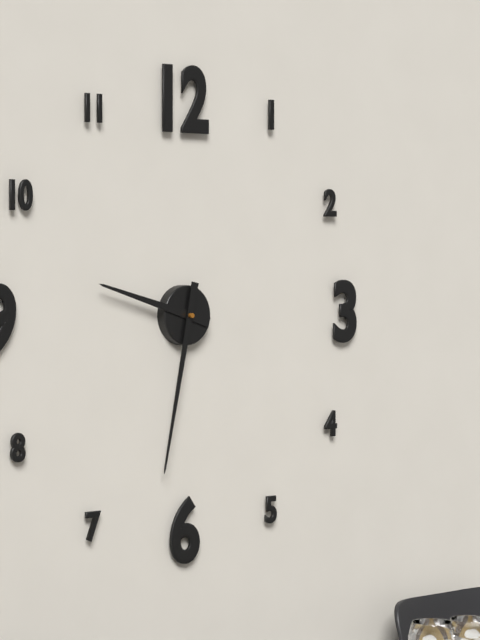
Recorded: 9.32
